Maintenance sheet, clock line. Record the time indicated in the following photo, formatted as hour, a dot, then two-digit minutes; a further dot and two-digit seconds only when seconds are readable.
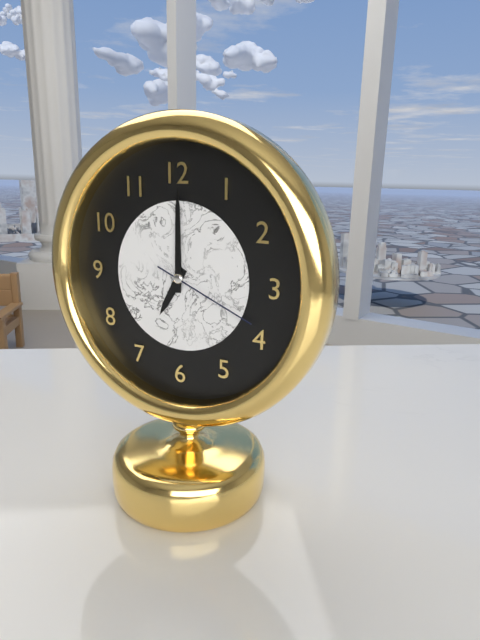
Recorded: 7.00.19
